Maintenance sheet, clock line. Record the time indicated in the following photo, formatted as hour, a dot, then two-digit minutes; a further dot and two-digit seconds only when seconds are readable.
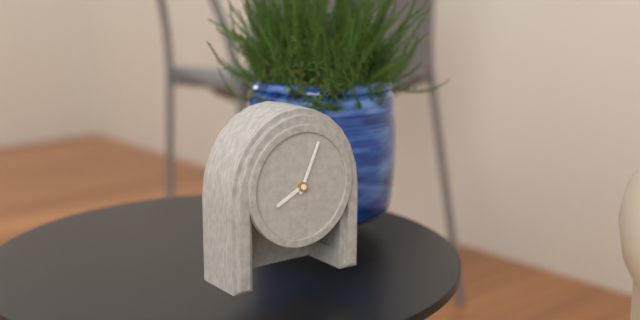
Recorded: 8.04
